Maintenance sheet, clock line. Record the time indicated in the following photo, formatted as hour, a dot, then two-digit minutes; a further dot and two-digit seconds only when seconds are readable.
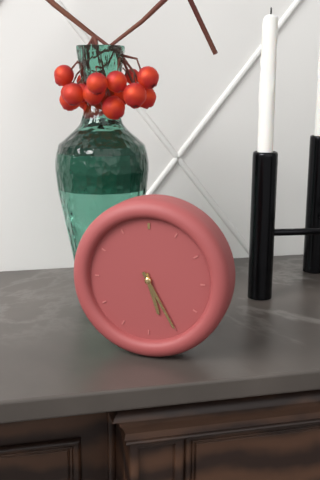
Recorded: 5.25
